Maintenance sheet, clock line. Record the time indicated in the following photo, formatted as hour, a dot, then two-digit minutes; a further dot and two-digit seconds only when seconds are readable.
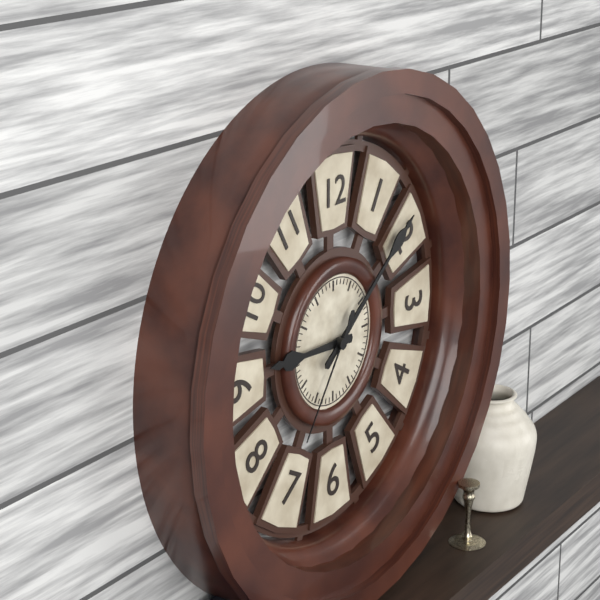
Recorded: 9.09.36
